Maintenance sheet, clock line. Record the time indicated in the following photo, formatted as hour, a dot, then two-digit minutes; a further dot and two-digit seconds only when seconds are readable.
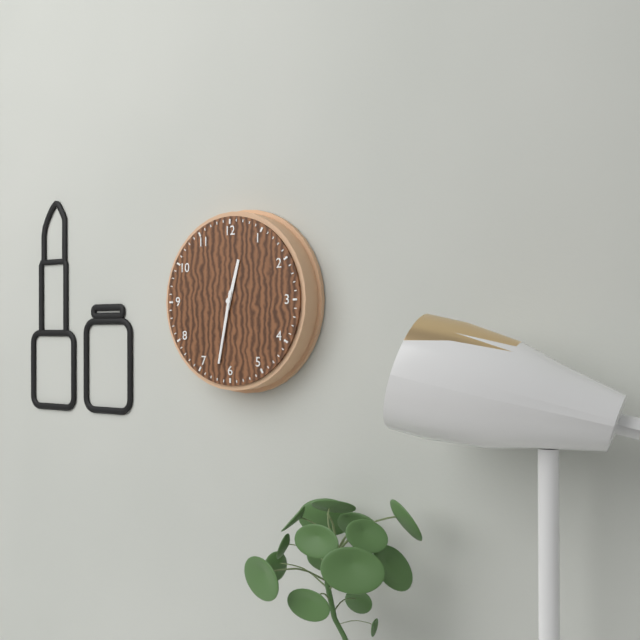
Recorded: 12.32
